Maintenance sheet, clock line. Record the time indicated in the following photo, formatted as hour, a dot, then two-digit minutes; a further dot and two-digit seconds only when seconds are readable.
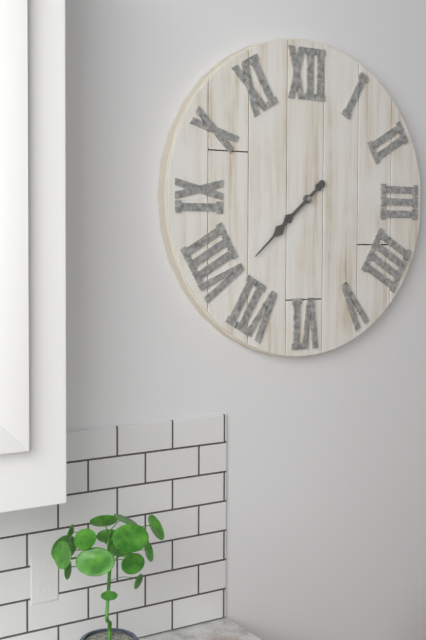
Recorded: 7.38
